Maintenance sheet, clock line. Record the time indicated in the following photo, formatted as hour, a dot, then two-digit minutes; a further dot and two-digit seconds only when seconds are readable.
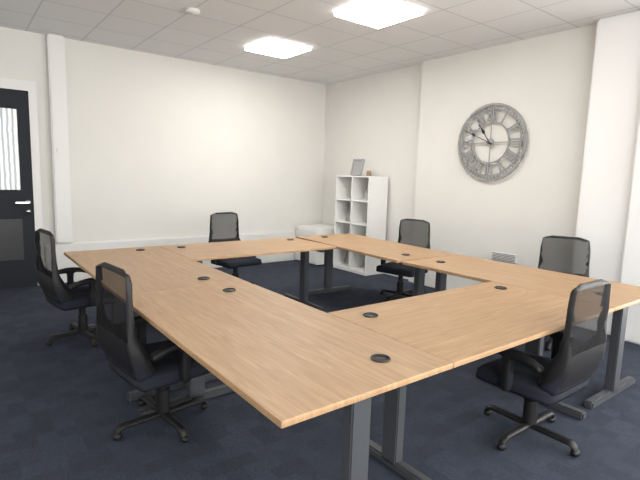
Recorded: 10.49
